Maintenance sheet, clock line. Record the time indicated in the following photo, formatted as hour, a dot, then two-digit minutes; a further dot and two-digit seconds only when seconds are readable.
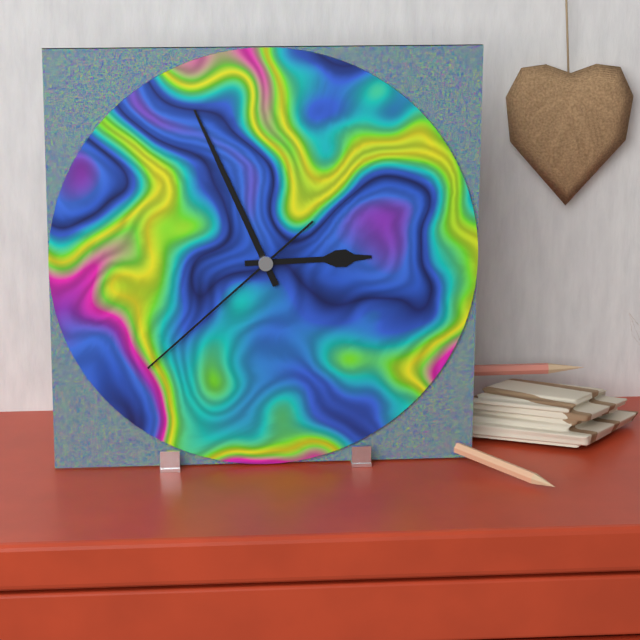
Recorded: 2.56.38
